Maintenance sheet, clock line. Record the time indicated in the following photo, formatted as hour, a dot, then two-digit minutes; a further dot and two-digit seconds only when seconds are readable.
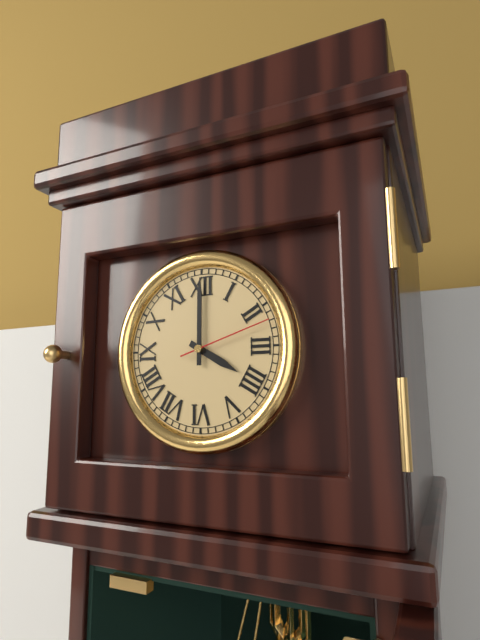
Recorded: 4.00.12
